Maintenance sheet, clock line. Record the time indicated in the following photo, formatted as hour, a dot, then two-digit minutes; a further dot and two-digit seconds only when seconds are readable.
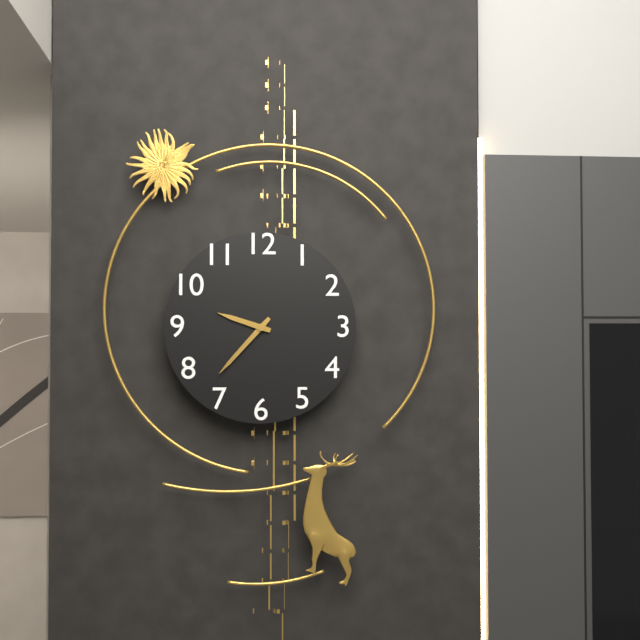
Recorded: 9.37
